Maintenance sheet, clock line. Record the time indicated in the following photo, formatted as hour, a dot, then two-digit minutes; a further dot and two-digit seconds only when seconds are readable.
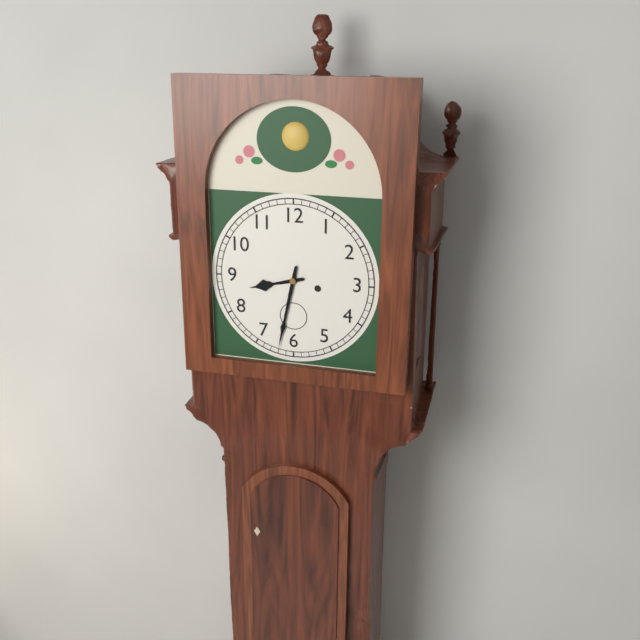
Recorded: 8.32
